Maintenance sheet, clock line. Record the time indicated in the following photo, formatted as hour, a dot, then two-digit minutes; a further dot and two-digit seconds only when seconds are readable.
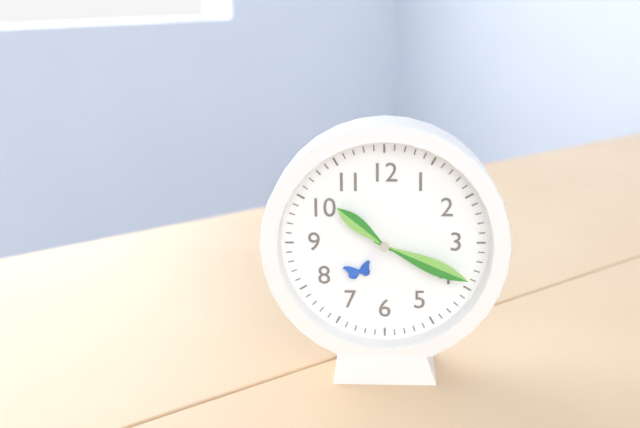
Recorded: 10.19
